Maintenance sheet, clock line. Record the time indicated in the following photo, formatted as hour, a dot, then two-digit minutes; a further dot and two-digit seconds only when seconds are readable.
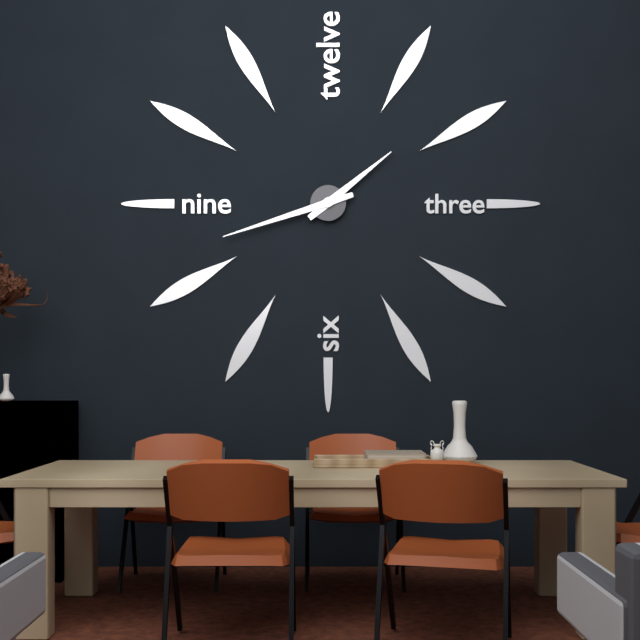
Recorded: 1.42
